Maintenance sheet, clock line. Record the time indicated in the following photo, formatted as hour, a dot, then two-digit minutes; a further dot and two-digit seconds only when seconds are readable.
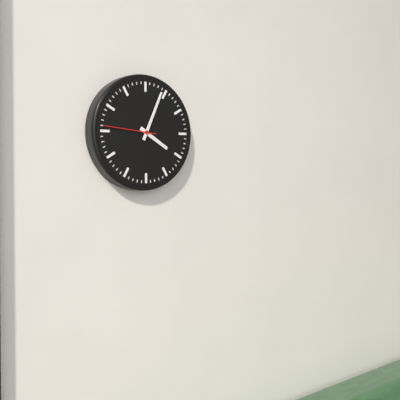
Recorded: 4.04.46
